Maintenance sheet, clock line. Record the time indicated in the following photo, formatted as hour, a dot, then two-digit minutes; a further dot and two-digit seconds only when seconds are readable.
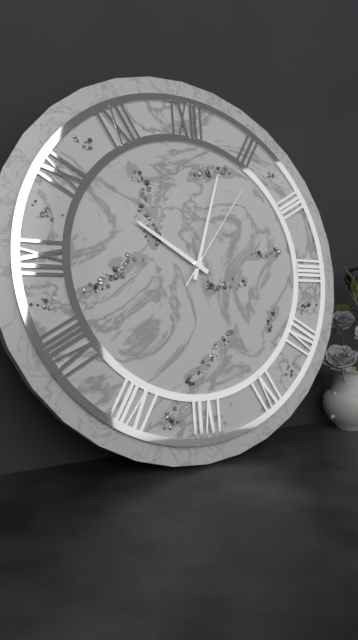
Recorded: 10.03.06
